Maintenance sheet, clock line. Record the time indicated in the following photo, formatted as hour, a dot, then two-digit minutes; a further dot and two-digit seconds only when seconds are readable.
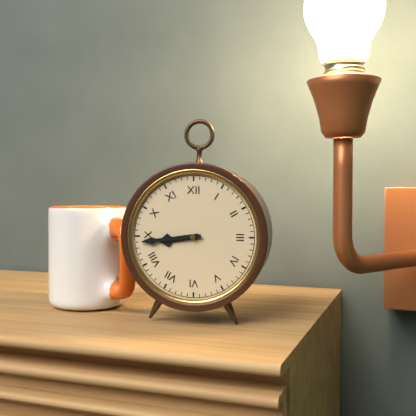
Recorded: 8.44
